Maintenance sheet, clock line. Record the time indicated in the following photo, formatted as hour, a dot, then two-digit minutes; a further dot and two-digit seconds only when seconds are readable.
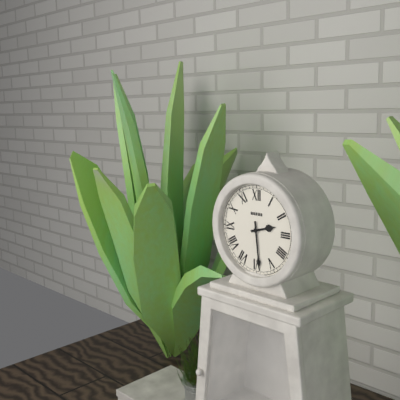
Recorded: 2.29
